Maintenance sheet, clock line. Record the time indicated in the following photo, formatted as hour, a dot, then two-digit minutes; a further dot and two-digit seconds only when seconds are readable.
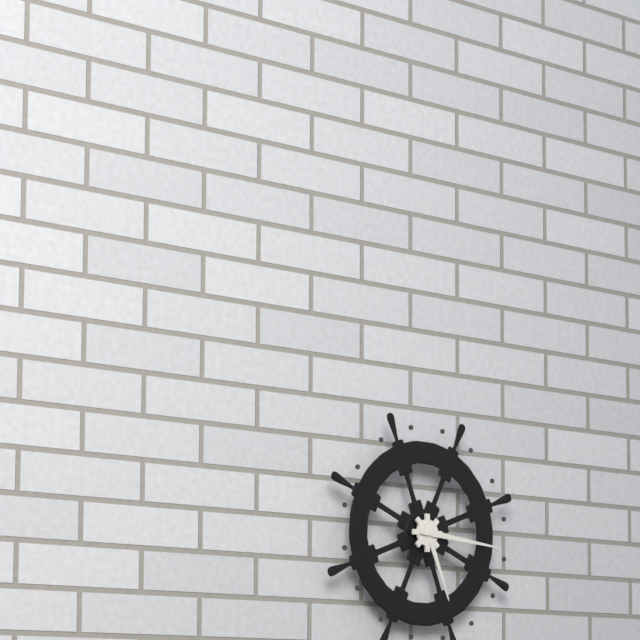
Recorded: 5.16
